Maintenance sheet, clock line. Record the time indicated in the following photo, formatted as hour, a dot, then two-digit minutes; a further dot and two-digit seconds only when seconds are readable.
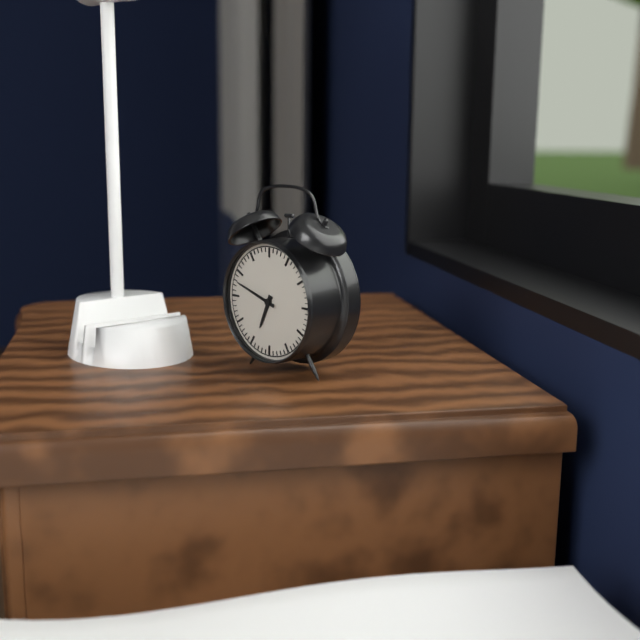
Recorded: 6.48
